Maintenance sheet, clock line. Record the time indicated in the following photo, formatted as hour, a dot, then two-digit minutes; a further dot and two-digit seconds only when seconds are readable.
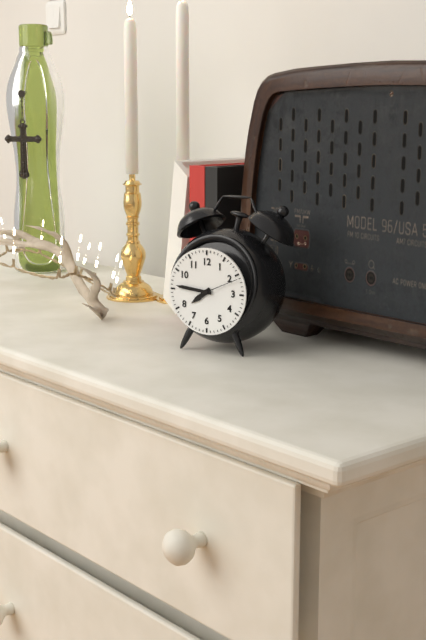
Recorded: 7.46
